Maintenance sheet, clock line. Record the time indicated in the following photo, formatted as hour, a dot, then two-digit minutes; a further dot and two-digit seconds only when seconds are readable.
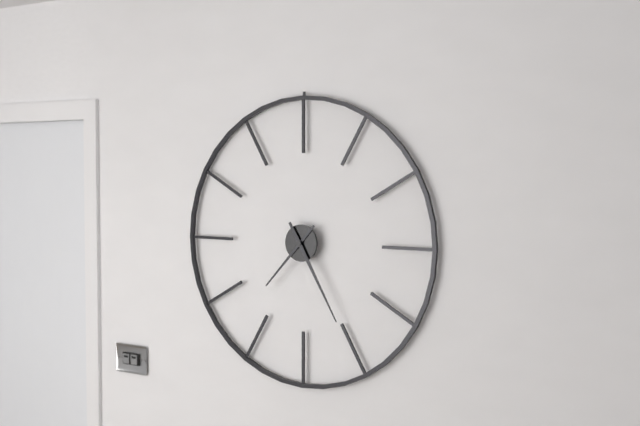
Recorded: 7.25
